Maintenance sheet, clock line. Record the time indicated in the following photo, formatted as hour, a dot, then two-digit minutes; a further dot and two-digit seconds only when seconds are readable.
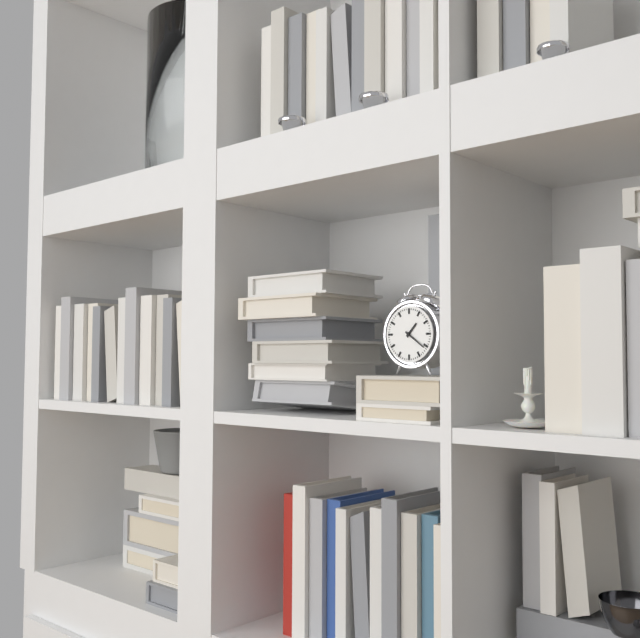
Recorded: 1.21
